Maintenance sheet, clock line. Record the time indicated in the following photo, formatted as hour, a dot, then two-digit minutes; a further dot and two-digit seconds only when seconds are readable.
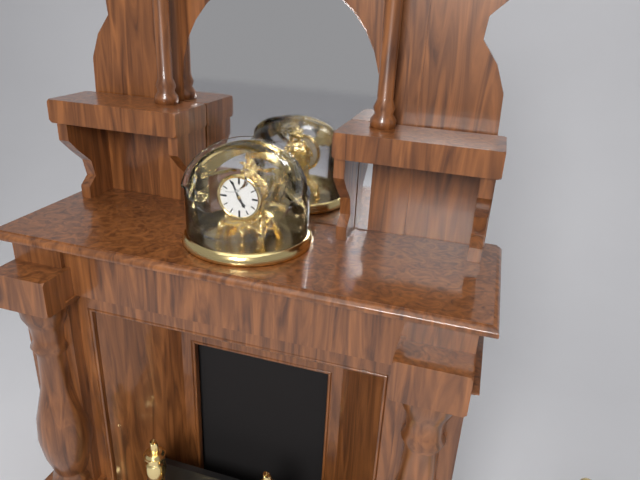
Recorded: 4.56
